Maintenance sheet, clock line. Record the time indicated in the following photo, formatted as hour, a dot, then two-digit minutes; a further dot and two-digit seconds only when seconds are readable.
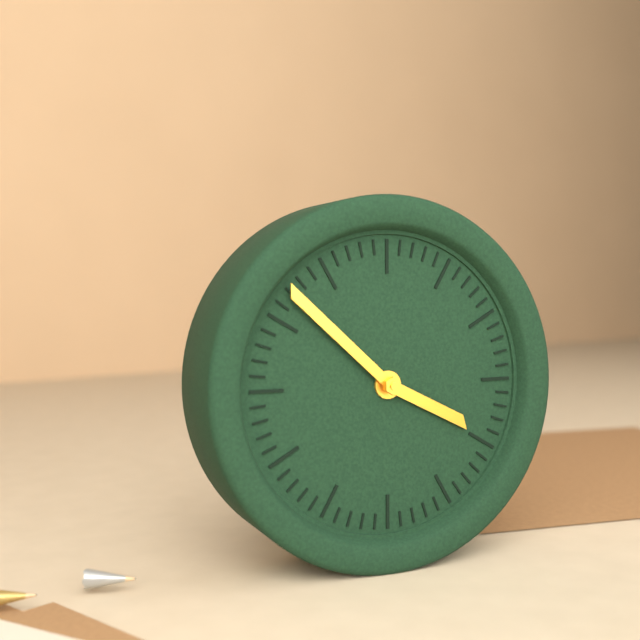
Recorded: 3.52
